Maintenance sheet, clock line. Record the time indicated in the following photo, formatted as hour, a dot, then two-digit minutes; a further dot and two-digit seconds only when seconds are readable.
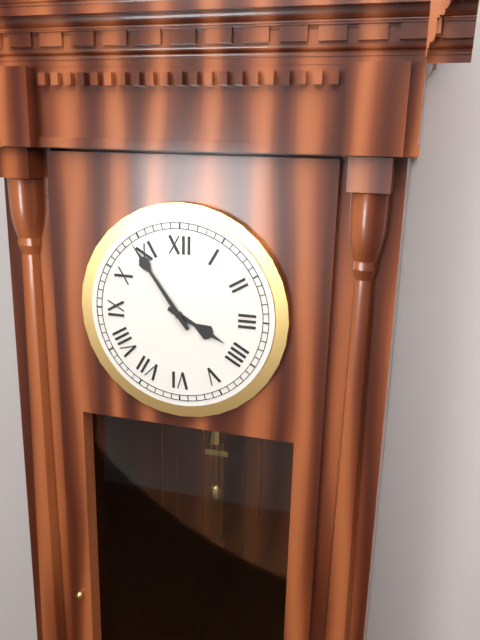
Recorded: 3.54
